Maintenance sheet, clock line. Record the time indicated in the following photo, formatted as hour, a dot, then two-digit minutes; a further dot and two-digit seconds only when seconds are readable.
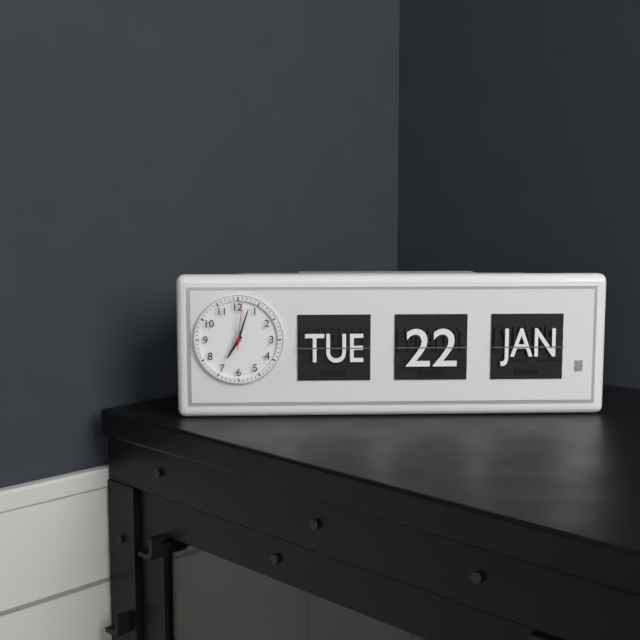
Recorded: 7.03
